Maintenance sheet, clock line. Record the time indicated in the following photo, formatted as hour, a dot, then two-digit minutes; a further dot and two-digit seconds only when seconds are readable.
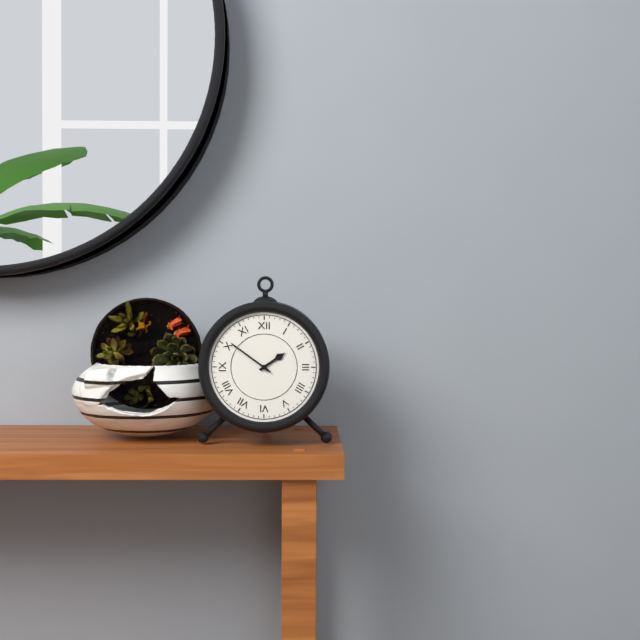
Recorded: 1.51
